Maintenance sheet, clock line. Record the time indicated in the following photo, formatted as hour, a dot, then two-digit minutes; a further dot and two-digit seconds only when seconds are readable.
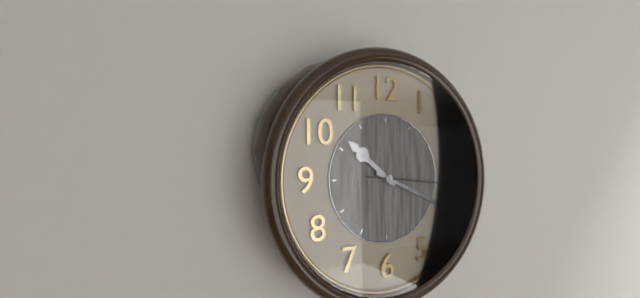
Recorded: 10.19.16
